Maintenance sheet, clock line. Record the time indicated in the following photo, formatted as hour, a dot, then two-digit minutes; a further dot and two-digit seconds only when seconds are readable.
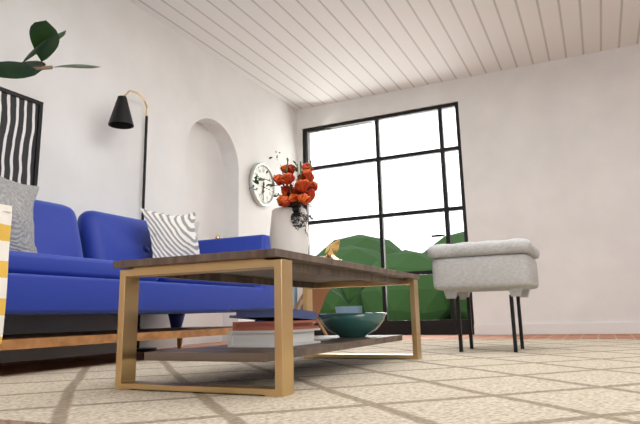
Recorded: 6.31
